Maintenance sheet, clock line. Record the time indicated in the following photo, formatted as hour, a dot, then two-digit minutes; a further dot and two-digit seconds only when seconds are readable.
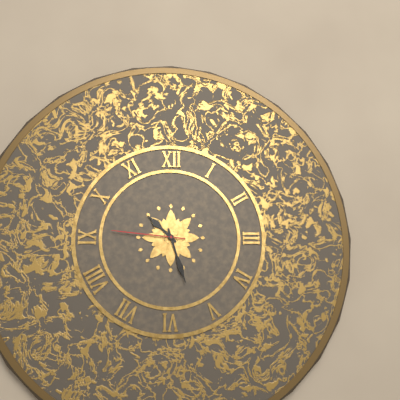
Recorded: 10.27.46
